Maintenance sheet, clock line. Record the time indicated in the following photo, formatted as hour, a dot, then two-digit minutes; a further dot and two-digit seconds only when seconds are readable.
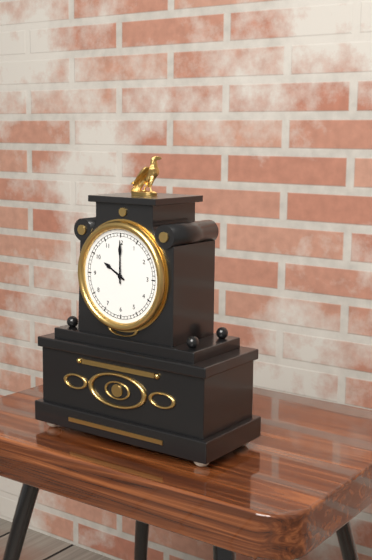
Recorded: 10.00
